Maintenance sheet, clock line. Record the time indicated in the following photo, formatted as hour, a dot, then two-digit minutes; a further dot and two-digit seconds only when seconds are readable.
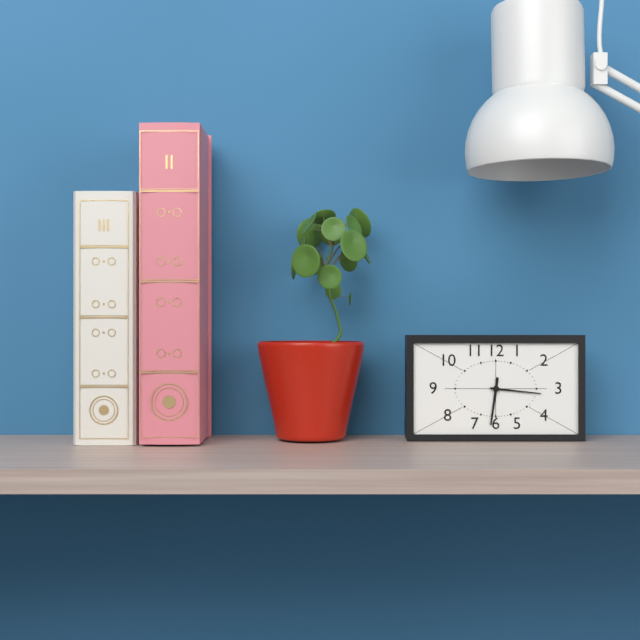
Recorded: 6.16
